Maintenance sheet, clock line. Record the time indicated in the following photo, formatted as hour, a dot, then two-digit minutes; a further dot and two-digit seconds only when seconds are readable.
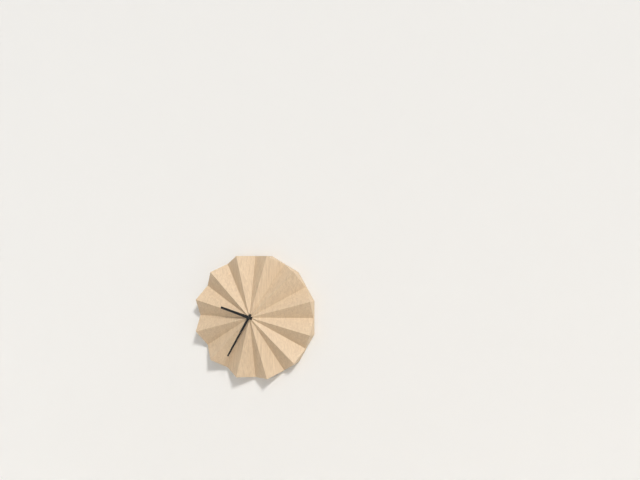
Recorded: 9.35
